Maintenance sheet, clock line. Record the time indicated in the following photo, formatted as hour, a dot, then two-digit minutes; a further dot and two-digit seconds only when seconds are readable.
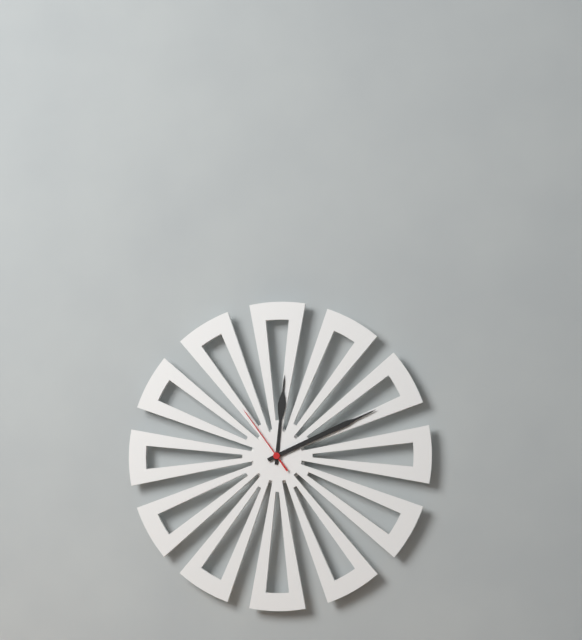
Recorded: 12.11.54
